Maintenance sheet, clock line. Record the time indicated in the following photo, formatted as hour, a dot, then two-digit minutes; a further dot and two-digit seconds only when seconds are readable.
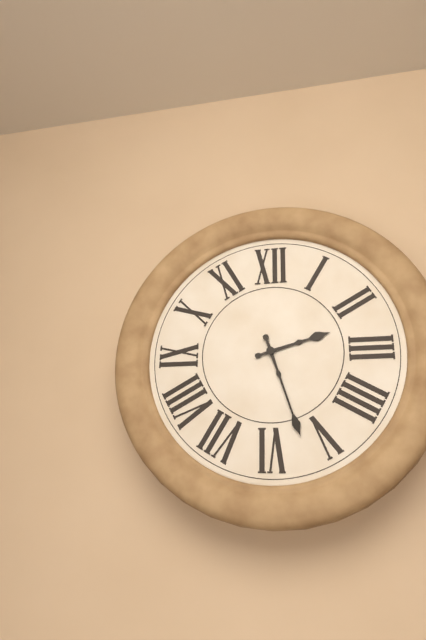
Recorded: 2.27
